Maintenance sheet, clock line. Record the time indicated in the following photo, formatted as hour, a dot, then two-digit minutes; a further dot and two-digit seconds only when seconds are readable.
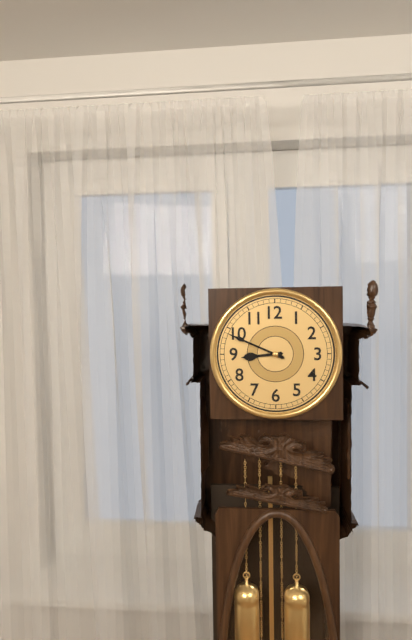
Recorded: 8.49
